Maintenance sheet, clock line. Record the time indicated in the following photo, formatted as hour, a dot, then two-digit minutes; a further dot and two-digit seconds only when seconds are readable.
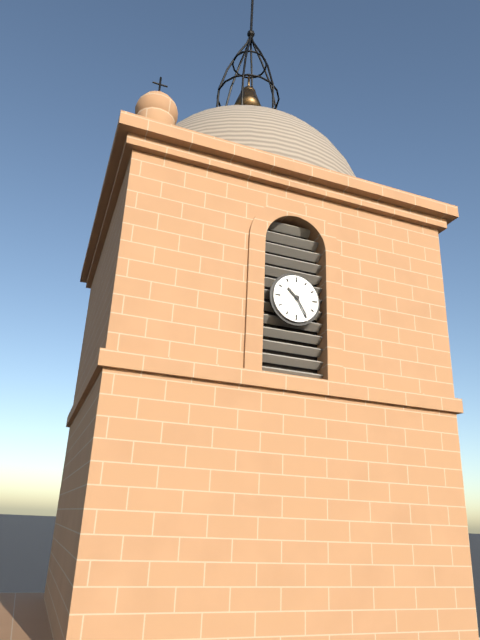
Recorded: 10.25
